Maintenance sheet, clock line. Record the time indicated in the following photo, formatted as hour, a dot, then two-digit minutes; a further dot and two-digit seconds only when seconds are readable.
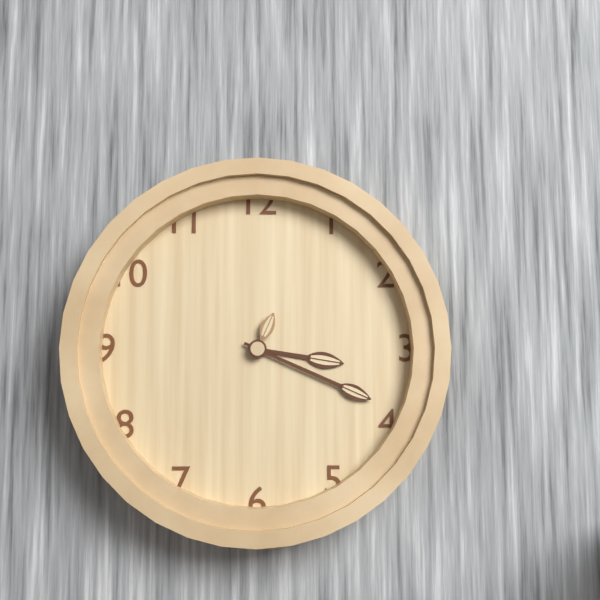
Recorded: 3.19.04
